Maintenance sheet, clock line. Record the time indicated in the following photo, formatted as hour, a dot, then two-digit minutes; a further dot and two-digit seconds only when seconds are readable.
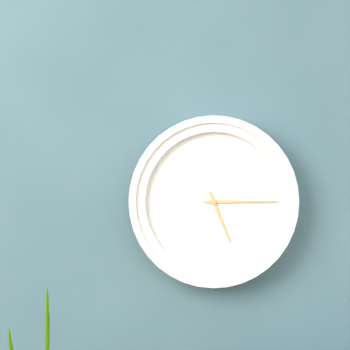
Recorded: 5.15
